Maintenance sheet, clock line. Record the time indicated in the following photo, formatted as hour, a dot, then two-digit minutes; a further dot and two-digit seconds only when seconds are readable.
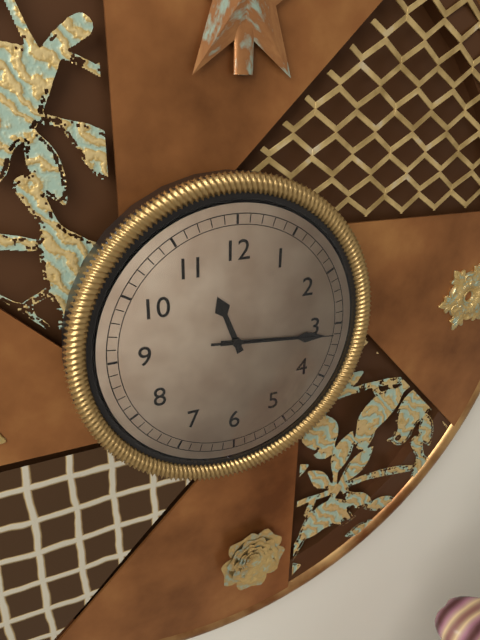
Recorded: 11.16.16
